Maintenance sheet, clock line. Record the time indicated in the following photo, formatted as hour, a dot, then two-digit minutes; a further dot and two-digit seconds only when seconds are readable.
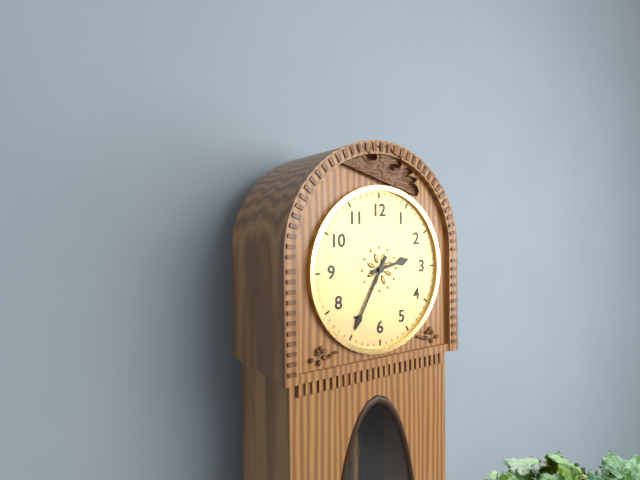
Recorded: 2.35
